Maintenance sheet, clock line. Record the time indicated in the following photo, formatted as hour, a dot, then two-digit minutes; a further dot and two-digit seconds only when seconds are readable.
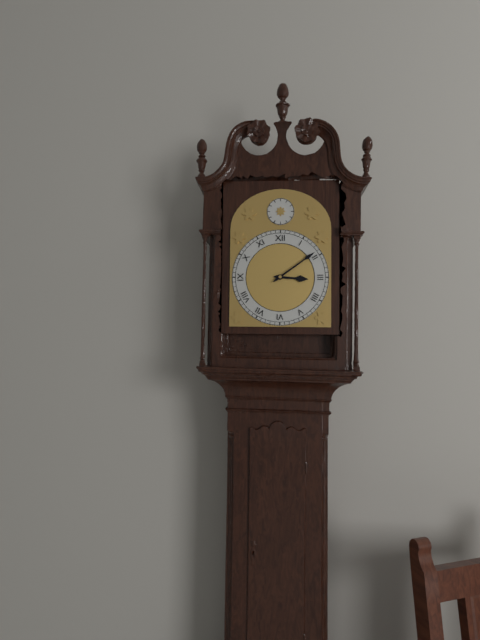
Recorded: 3.09
